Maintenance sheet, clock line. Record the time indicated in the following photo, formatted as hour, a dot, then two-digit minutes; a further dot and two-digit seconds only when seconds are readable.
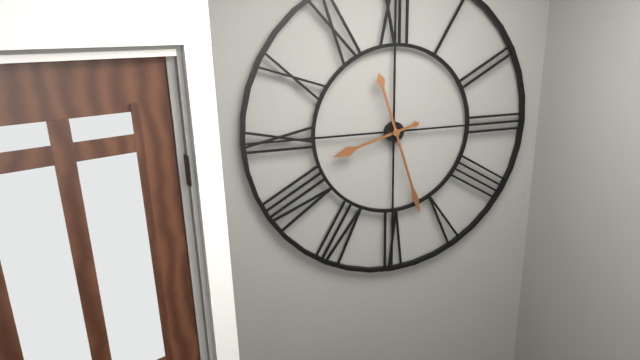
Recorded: 8.27
